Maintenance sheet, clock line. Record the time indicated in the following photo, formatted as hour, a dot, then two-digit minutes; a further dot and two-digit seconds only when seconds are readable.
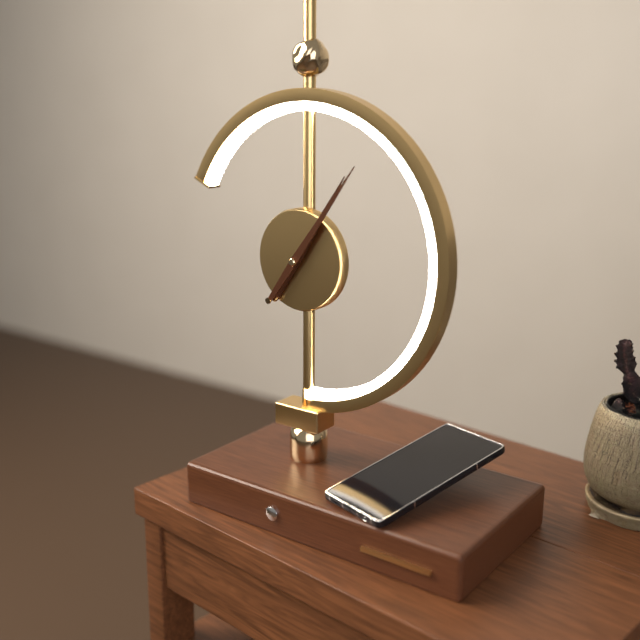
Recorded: 1.06
